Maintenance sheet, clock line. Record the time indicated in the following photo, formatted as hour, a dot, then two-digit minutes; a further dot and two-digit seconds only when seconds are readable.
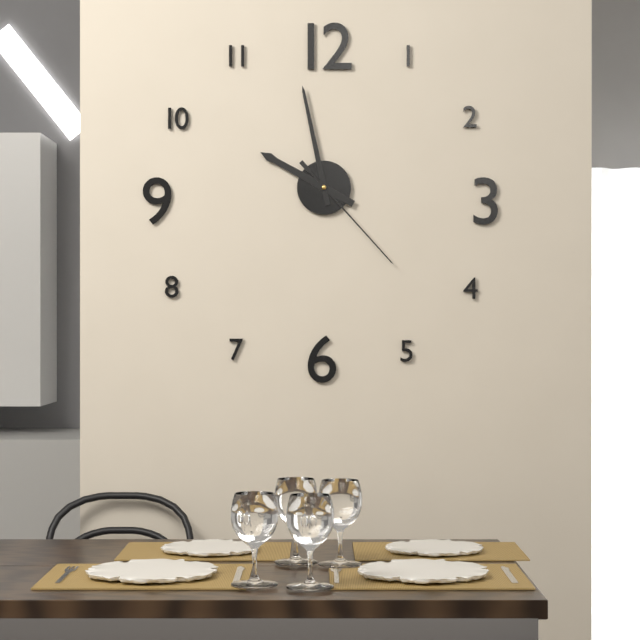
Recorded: 9.58.23
